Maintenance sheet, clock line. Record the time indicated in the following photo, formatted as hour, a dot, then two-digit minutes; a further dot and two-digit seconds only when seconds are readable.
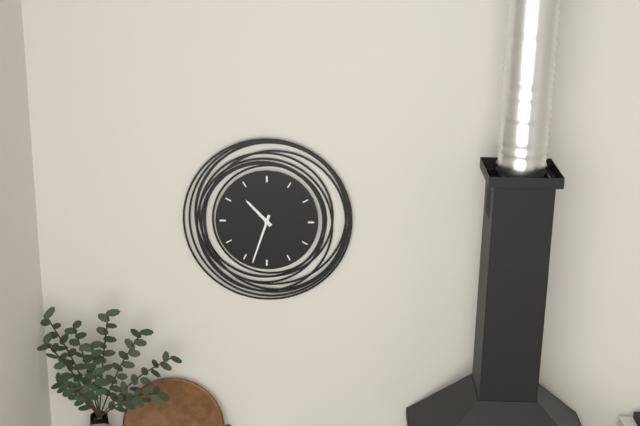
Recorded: 10.33
